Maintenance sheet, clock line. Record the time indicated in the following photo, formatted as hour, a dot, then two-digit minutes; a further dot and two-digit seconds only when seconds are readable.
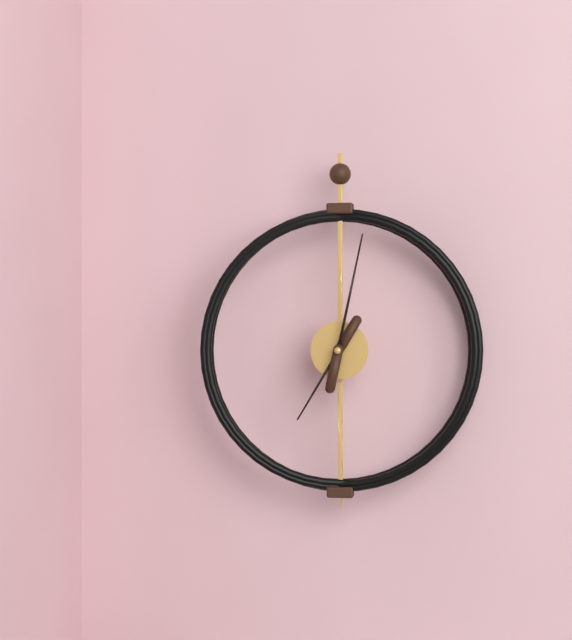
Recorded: 7.02
